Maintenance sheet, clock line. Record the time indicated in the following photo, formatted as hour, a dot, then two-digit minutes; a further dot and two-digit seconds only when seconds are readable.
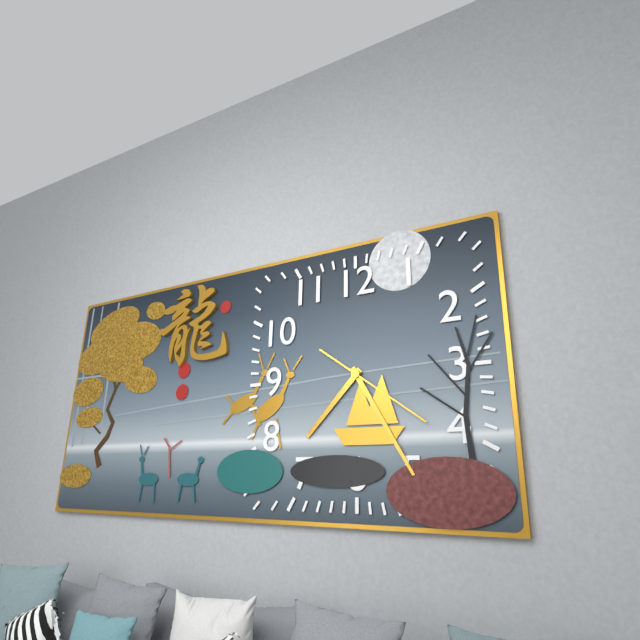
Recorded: 7.25.21
